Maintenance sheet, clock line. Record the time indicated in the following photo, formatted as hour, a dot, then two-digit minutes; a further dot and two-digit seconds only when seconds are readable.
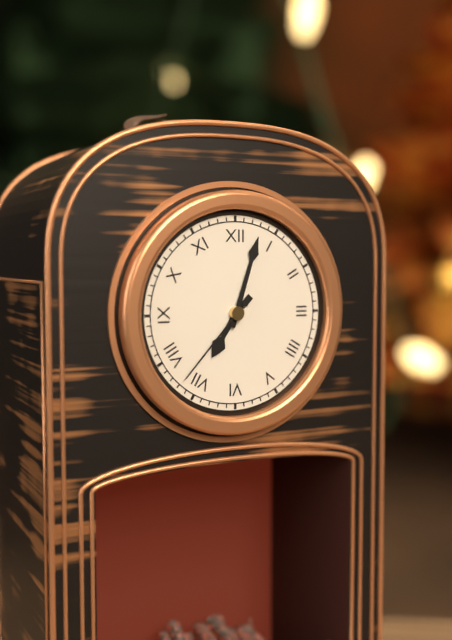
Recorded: 7.03.37
